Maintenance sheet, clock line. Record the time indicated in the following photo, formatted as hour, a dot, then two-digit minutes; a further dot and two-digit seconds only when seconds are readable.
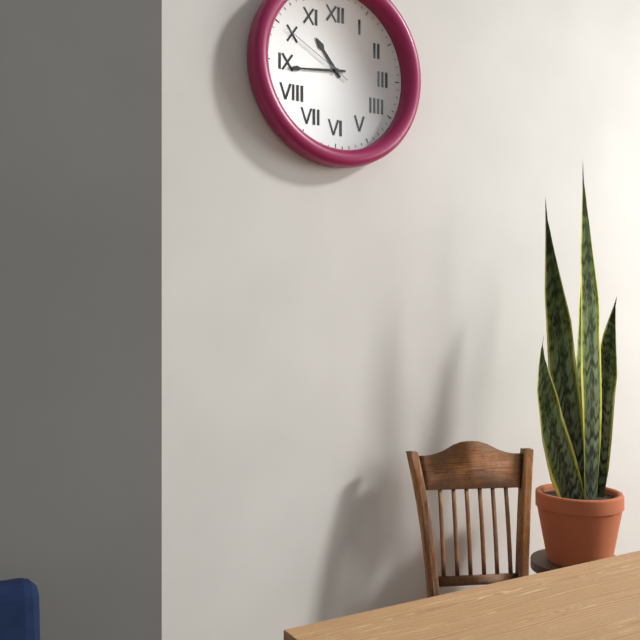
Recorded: 10.44.50
